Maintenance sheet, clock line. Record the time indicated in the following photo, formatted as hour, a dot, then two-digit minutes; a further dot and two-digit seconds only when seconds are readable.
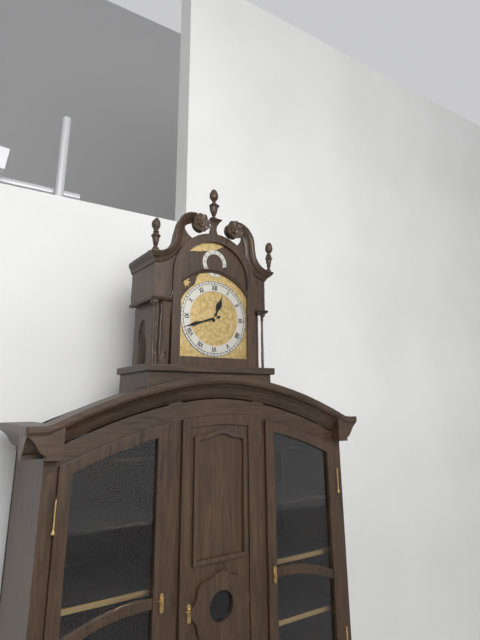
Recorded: 12.42
